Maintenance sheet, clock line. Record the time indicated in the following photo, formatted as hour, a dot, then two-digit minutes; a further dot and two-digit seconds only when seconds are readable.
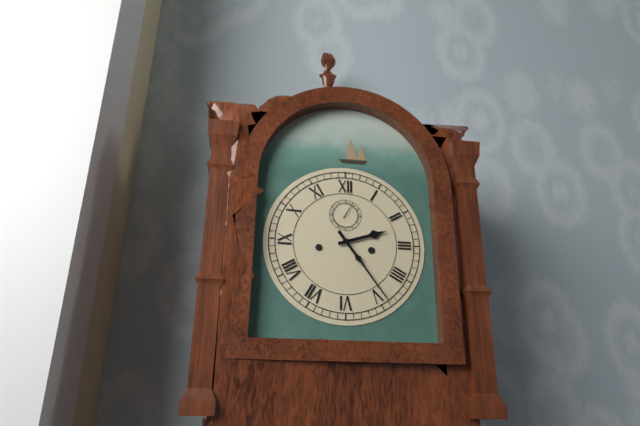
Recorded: 2.24
